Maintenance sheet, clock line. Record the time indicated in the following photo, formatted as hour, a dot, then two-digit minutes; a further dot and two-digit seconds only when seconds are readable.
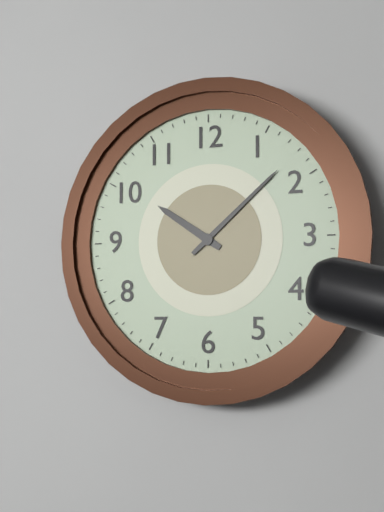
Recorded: 10.08
